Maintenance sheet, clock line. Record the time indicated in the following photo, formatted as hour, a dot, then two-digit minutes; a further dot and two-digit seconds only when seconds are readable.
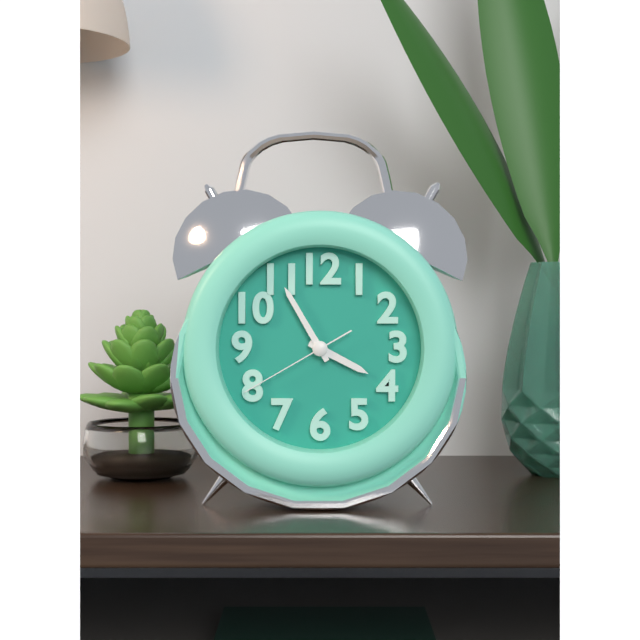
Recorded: 3.55.40
